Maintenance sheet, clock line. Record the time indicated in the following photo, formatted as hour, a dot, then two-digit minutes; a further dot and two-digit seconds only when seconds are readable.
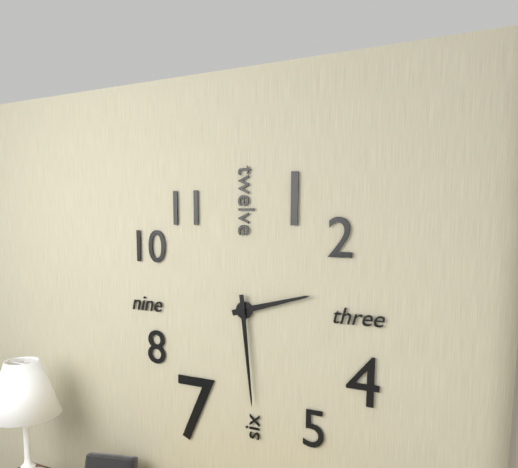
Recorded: 2.29
